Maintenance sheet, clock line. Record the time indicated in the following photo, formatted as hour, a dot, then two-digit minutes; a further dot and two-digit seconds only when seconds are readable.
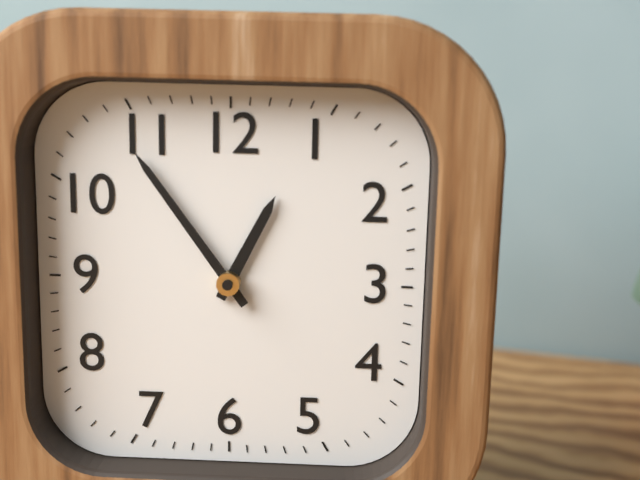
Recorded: 12.54
